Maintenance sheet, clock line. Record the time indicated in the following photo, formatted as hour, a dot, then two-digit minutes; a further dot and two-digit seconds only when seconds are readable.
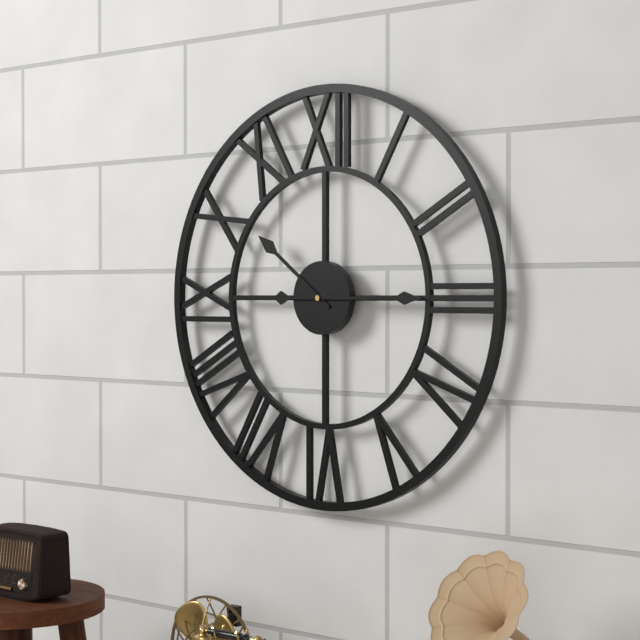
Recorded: 10.15
